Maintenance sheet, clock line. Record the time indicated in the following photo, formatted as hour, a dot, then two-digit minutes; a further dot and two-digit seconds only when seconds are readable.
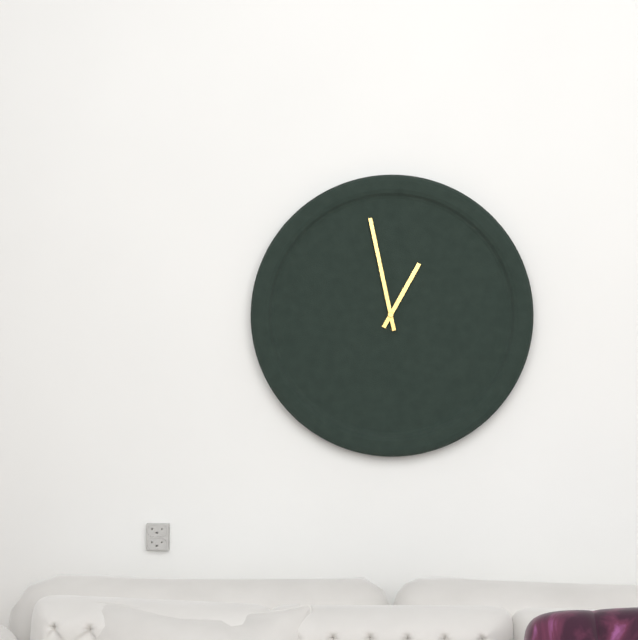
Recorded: 12.58
